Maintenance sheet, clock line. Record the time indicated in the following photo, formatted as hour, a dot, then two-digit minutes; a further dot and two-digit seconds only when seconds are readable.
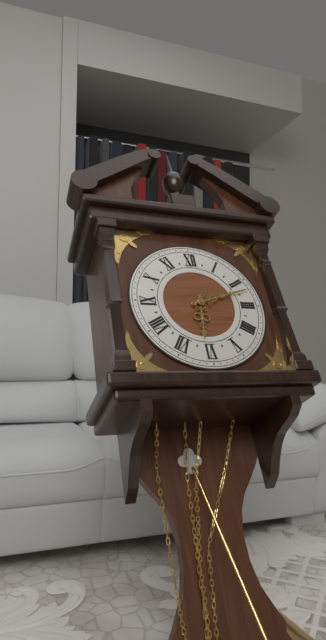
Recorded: 6.12
